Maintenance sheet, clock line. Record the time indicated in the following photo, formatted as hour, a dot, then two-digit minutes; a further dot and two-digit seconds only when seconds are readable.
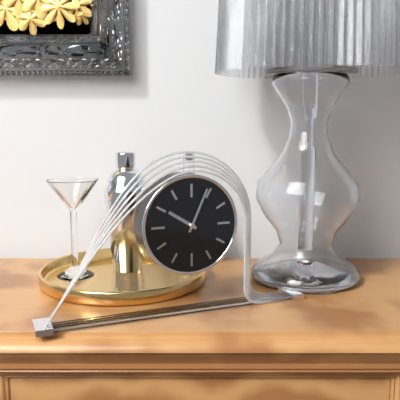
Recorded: 10.04
